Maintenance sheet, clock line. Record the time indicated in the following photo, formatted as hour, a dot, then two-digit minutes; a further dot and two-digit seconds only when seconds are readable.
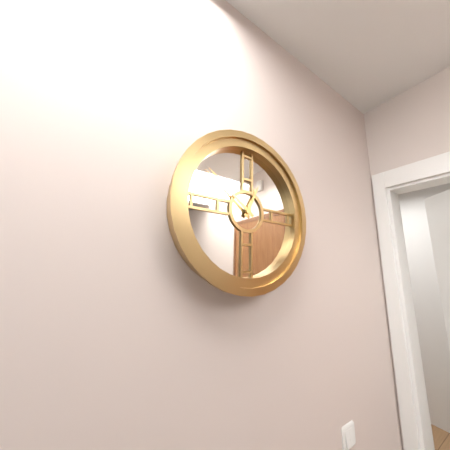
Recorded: 12.51
